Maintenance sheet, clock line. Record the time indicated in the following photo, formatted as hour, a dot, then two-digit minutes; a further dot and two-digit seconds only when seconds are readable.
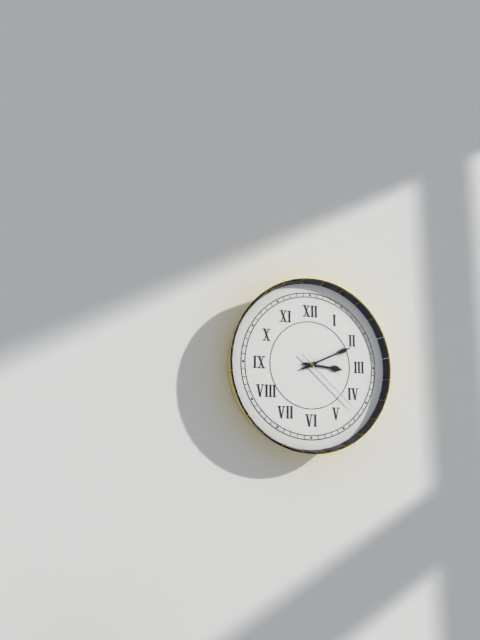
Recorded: 3.11.22
